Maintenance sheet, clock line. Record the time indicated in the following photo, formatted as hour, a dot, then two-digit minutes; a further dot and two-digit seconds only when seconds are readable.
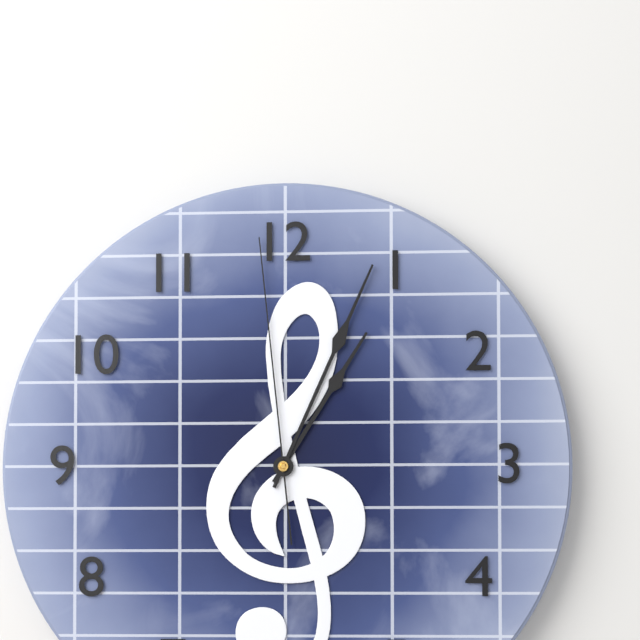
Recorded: 1.04.59
